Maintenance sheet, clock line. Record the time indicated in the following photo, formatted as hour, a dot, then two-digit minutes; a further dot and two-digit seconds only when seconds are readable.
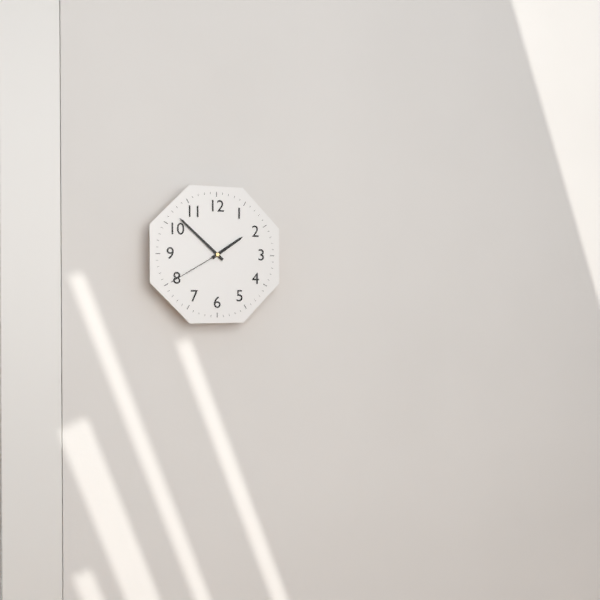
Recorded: 1.52.40
